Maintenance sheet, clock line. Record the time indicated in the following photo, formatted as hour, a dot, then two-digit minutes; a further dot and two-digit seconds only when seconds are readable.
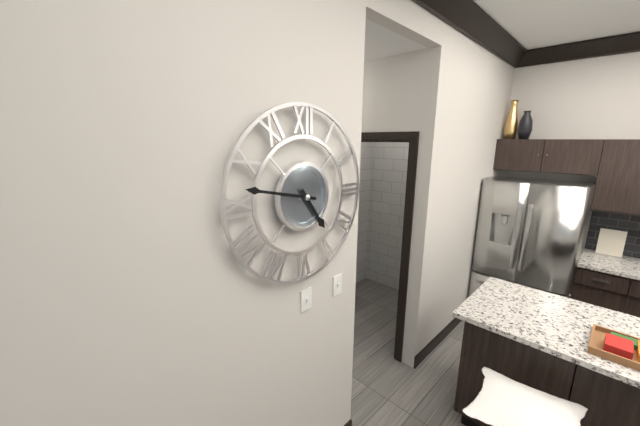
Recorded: 4.47
